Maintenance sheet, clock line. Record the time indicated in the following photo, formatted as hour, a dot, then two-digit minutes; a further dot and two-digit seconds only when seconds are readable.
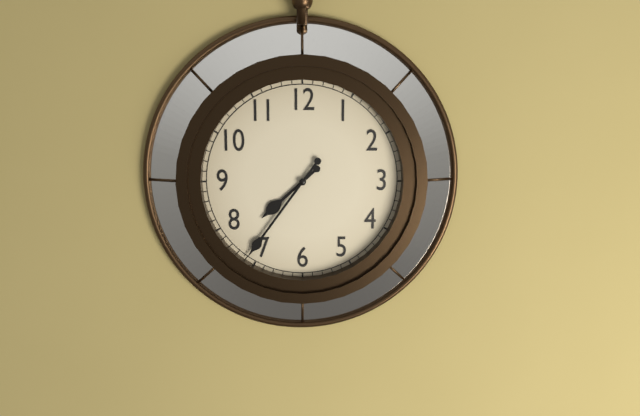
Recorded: 7.36
